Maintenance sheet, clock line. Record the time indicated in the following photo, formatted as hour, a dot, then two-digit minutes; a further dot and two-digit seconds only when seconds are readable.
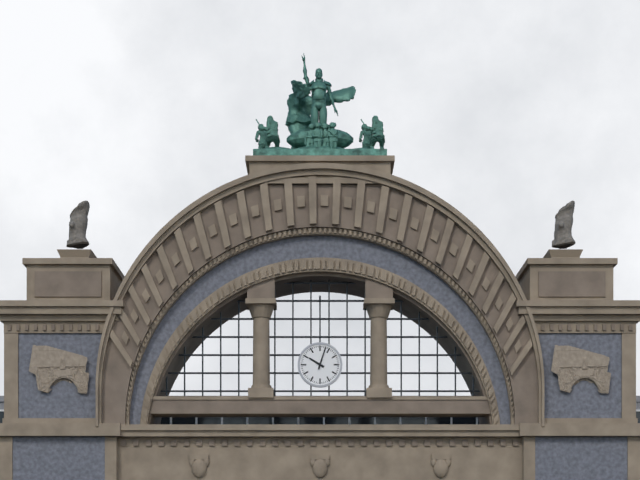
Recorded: 10.03
